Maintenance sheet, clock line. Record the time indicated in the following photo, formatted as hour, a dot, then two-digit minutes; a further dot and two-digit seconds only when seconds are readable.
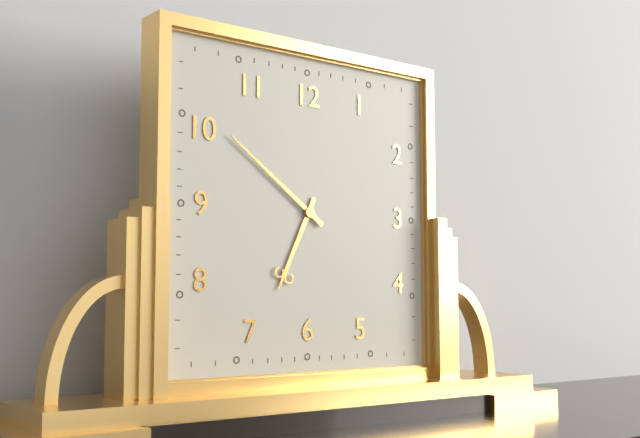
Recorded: 6.51
